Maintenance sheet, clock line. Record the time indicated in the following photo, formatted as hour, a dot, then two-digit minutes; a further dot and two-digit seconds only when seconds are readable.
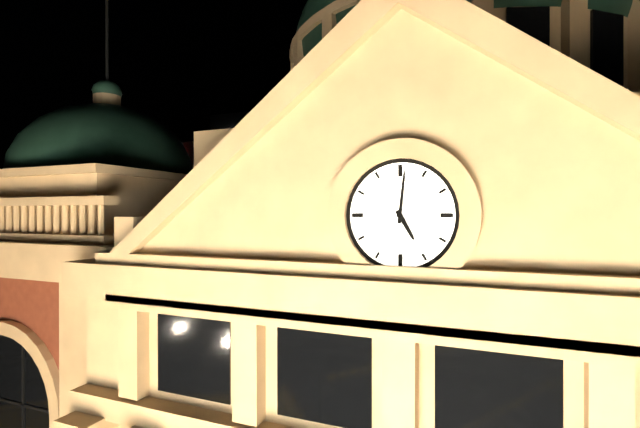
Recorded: 5.01
